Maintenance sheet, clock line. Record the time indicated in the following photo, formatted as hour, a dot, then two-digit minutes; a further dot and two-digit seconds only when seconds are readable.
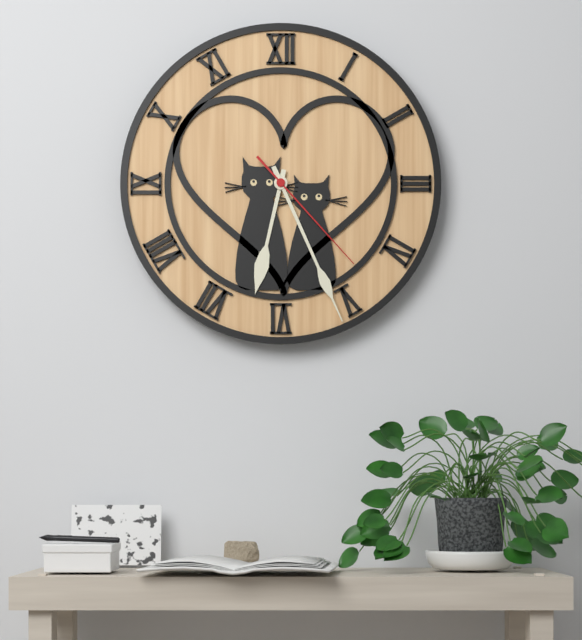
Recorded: 6.26.23
